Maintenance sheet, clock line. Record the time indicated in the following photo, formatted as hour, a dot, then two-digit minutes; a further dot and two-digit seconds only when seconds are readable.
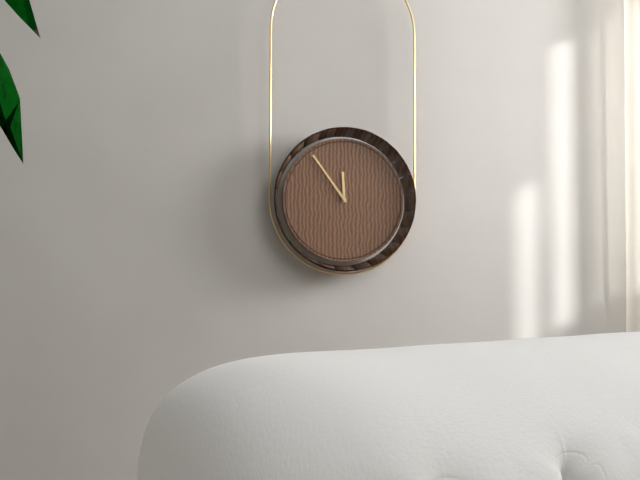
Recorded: 11.54
